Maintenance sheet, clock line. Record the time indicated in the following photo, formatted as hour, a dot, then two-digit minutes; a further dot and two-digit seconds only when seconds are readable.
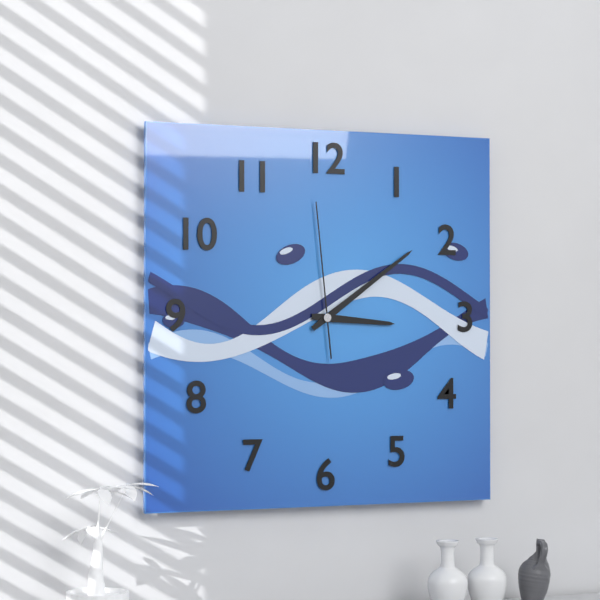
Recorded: 3.09.59
